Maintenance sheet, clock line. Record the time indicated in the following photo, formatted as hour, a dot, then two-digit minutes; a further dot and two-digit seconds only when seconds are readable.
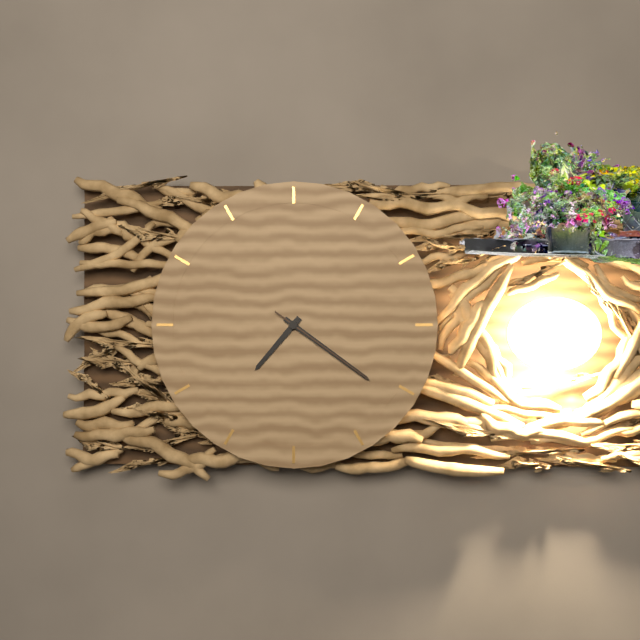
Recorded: 7.21.21
